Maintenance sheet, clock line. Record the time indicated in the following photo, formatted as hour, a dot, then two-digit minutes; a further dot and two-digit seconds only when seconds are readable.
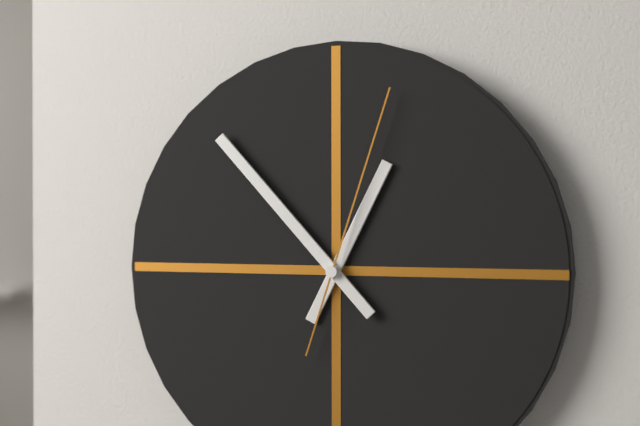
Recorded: 12.53.03
